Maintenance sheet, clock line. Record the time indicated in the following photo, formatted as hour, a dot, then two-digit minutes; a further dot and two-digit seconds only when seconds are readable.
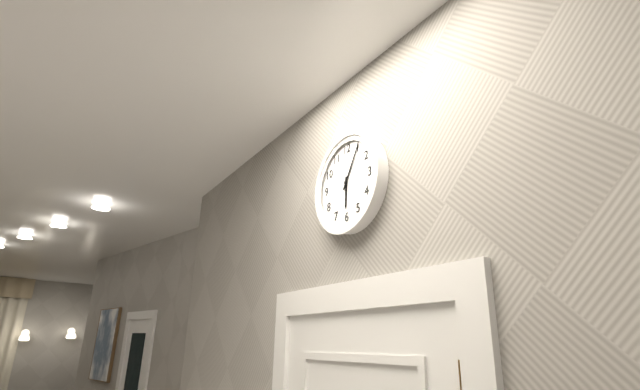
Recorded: 6.05
